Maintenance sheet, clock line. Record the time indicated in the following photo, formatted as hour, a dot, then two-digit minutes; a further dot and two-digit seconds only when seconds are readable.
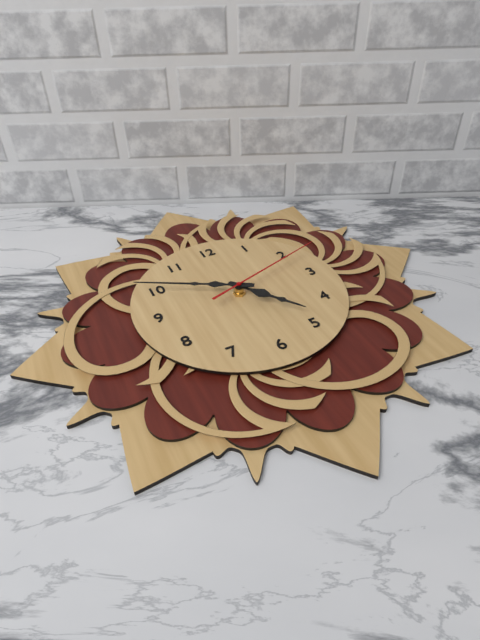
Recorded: 4.50.12
